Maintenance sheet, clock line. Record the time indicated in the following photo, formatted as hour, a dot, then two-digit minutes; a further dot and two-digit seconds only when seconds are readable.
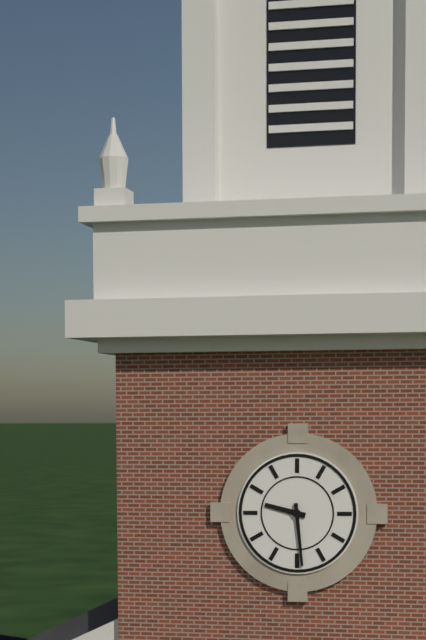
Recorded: 9.29
